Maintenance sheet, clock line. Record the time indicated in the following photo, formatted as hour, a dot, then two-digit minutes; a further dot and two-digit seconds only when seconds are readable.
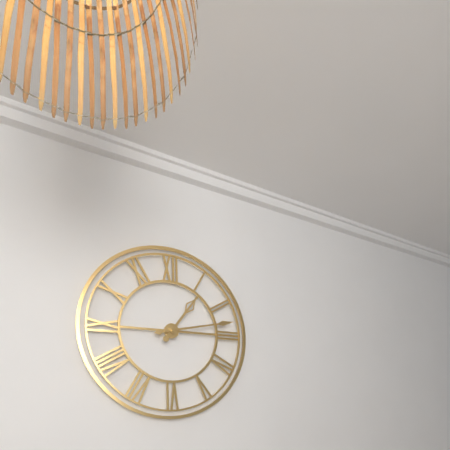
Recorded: 1.13
